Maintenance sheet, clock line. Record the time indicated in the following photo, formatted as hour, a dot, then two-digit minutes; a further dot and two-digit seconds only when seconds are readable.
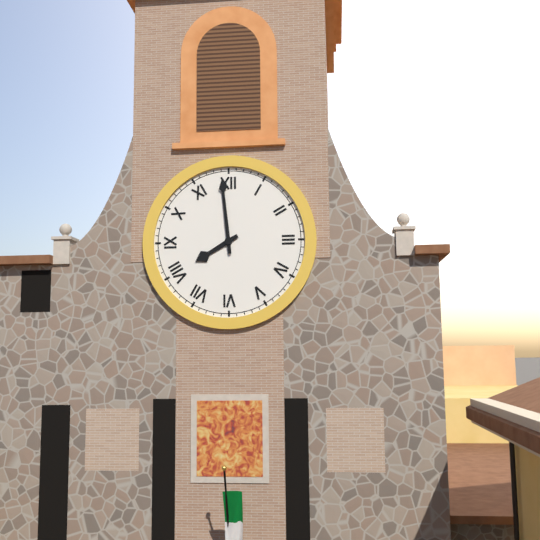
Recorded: 7.59
